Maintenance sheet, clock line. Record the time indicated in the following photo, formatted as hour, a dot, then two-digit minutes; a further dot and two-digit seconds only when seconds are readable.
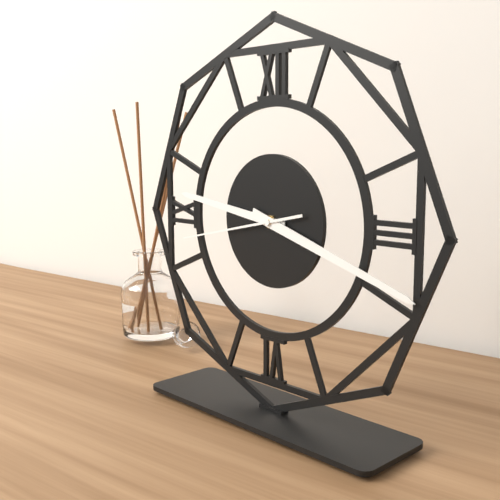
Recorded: 9.18.43
